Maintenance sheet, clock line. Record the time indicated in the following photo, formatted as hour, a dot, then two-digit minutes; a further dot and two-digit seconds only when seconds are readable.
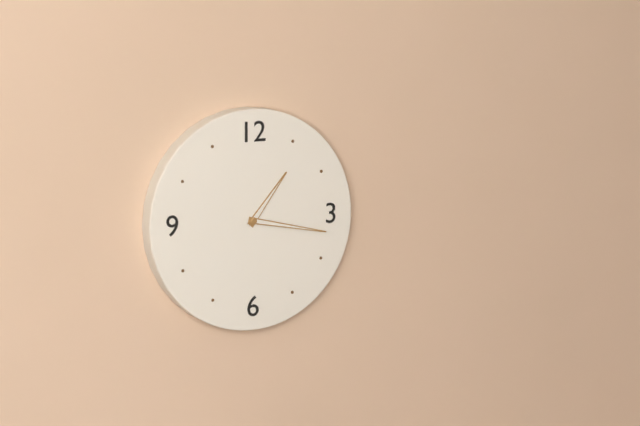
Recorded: 1.17
